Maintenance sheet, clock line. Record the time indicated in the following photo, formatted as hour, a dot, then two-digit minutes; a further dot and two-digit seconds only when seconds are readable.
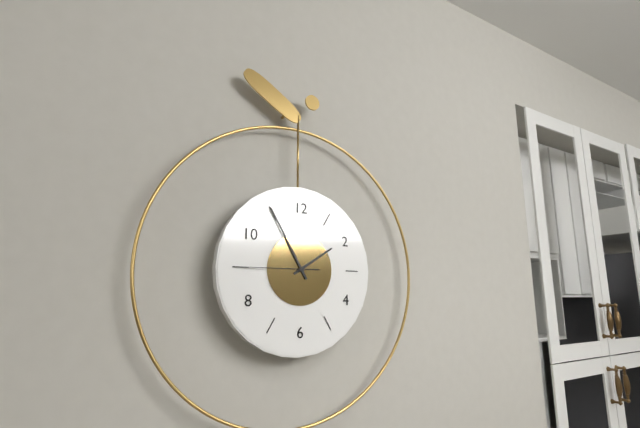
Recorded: 1.55.45
